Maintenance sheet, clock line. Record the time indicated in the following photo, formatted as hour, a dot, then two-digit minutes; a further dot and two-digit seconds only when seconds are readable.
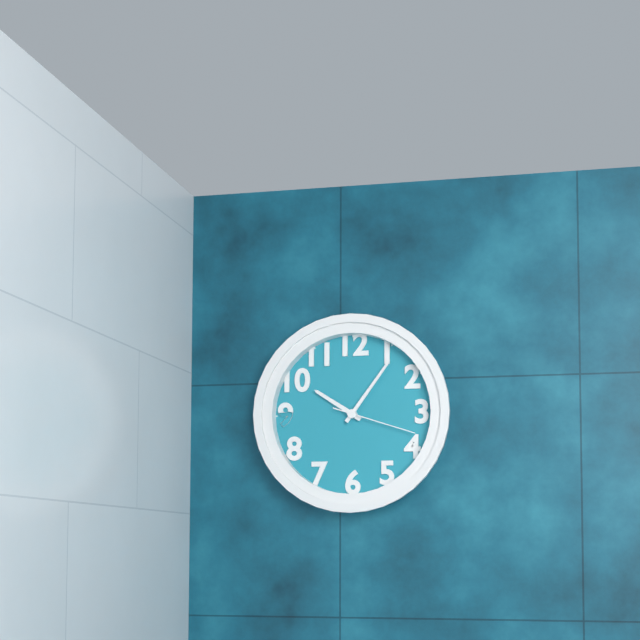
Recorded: 10.06.18
